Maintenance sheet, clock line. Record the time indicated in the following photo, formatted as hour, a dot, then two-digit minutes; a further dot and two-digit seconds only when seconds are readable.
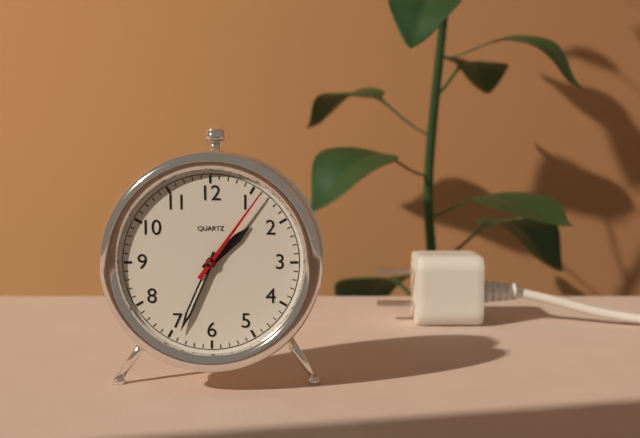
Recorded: 1.34.06
